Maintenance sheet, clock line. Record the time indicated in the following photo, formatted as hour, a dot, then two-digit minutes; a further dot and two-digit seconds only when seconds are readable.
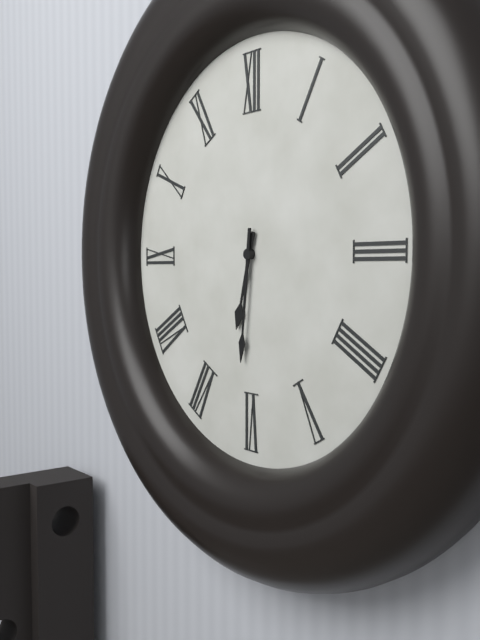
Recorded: 6.31
